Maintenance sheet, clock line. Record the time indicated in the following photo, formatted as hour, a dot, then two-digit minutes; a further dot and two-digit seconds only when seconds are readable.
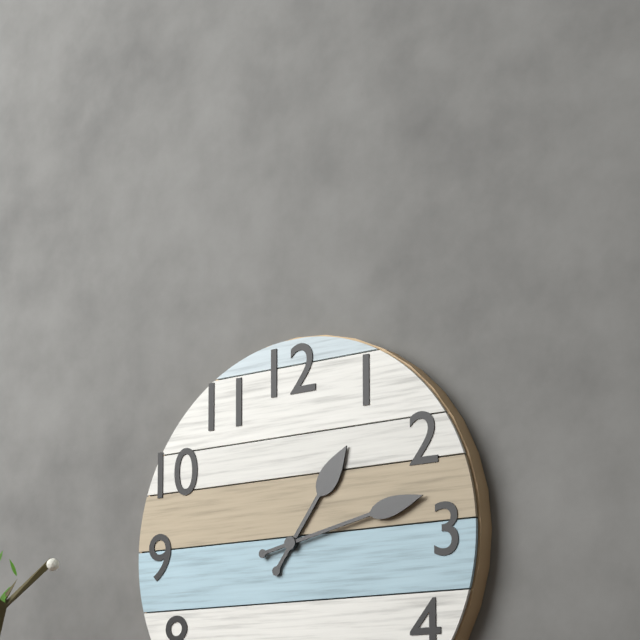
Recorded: 1.13
